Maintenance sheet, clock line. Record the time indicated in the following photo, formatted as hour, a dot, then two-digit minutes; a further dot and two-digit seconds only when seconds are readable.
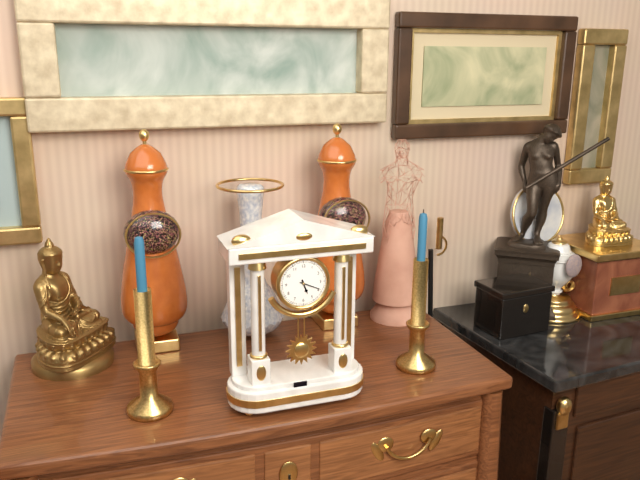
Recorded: 5.19
